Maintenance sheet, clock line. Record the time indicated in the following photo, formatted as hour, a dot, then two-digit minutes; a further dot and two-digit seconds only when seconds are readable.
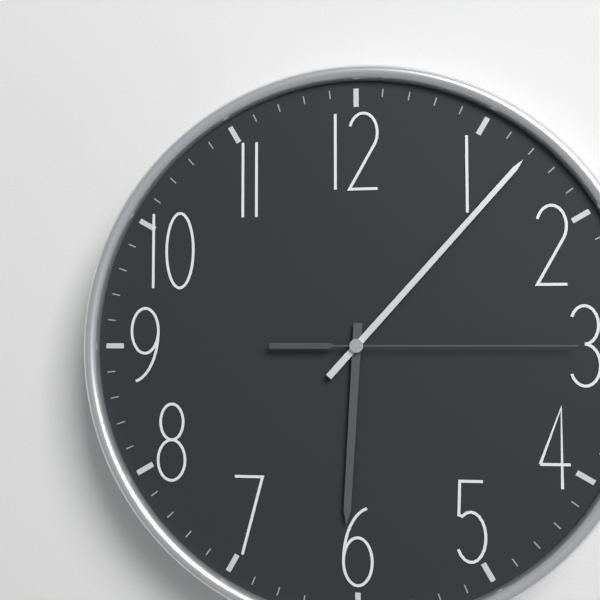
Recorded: 6.07.15
